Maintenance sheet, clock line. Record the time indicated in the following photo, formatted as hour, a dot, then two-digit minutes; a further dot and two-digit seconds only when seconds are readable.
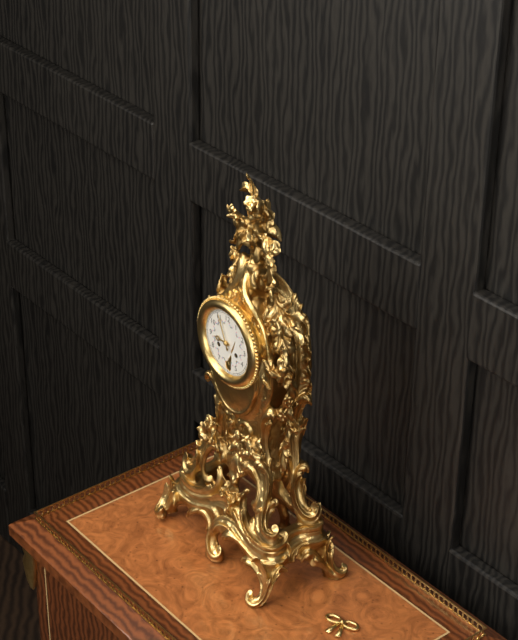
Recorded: 8.56
